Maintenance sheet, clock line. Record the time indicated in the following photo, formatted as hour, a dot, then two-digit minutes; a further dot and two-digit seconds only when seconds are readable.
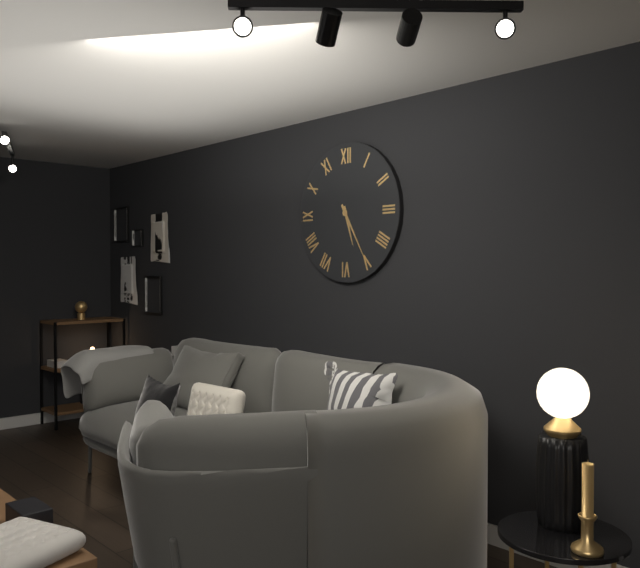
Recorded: 5.25
